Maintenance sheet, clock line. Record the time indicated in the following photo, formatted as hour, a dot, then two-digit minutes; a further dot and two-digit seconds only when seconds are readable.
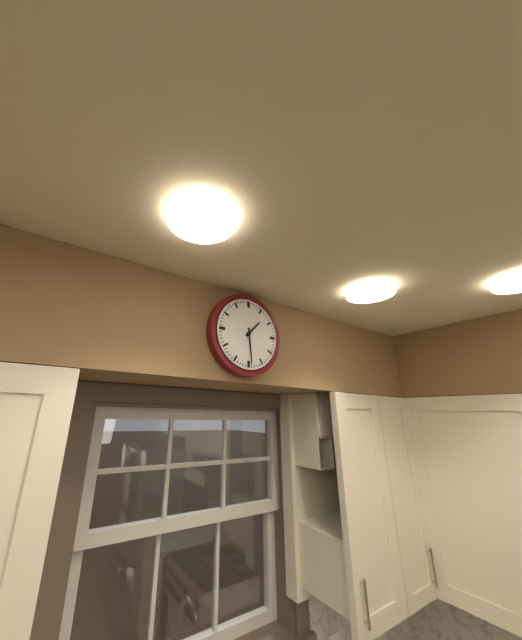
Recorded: 1.29
